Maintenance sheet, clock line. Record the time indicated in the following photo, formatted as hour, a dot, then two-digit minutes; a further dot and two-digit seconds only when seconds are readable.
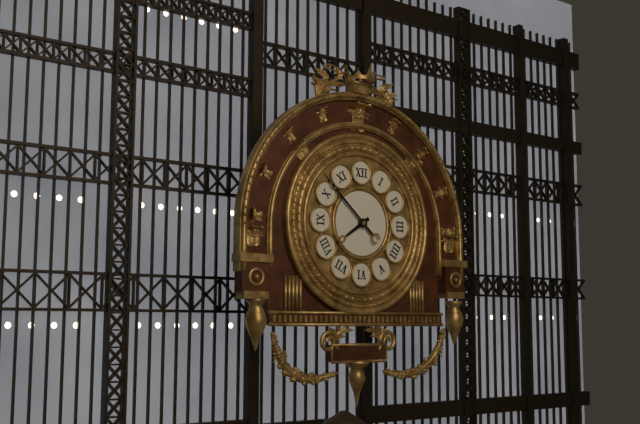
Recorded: 7.52
